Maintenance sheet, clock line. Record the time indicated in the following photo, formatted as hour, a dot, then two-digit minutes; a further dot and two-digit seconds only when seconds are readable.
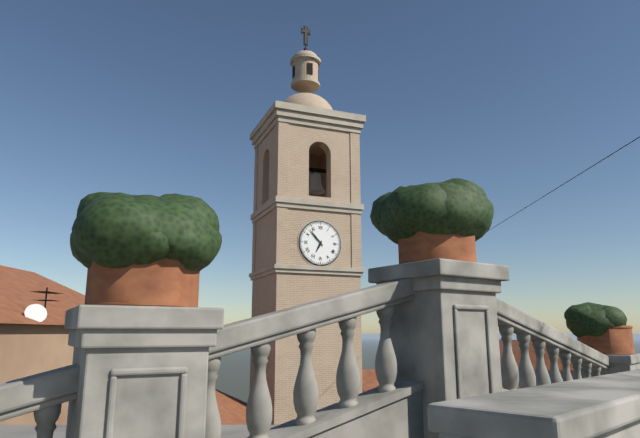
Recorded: 6.53
